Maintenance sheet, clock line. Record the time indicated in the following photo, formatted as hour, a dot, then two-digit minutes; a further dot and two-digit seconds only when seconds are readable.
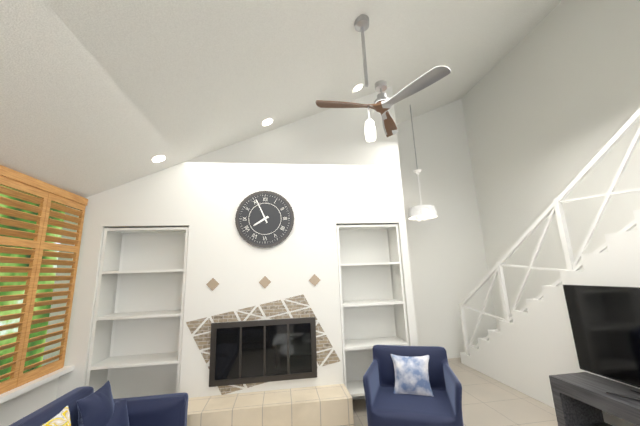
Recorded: 7.56
